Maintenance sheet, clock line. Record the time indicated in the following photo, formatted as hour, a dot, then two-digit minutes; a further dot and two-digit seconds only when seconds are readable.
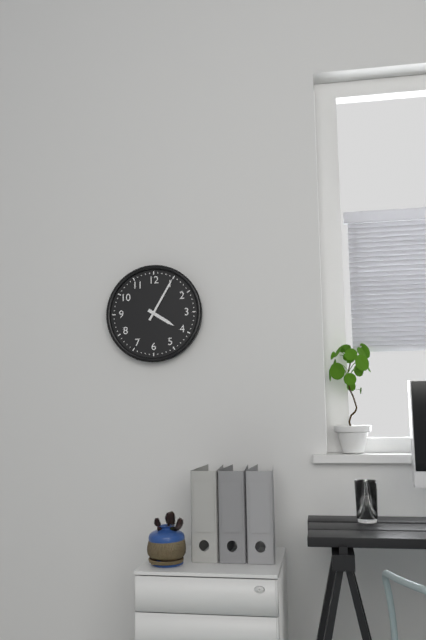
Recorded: 4.05
